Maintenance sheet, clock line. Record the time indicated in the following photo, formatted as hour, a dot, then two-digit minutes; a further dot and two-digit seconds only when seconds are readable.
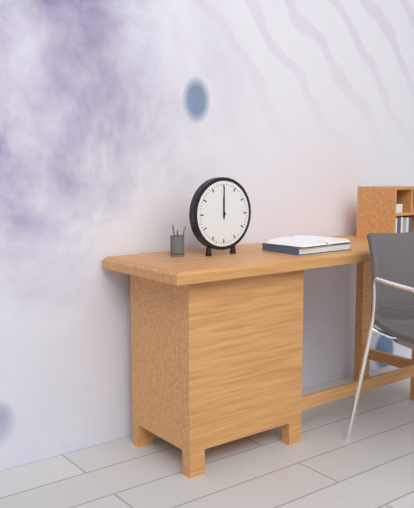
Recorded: 12.00
